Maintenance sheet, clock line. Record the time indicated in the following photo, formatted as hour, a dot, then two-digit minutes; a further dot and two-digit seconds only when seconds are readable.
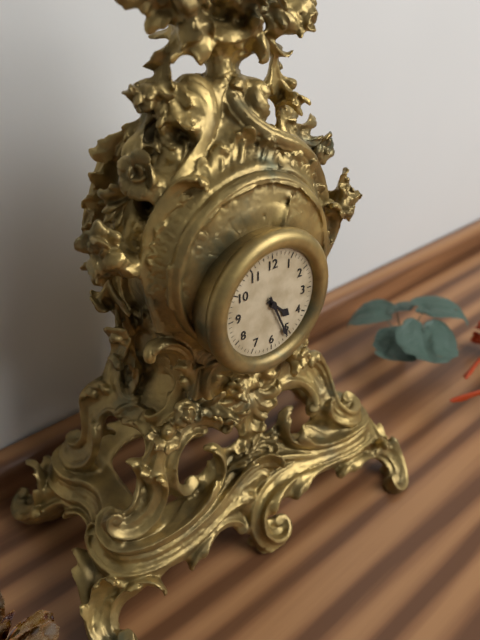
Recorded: 4.26
